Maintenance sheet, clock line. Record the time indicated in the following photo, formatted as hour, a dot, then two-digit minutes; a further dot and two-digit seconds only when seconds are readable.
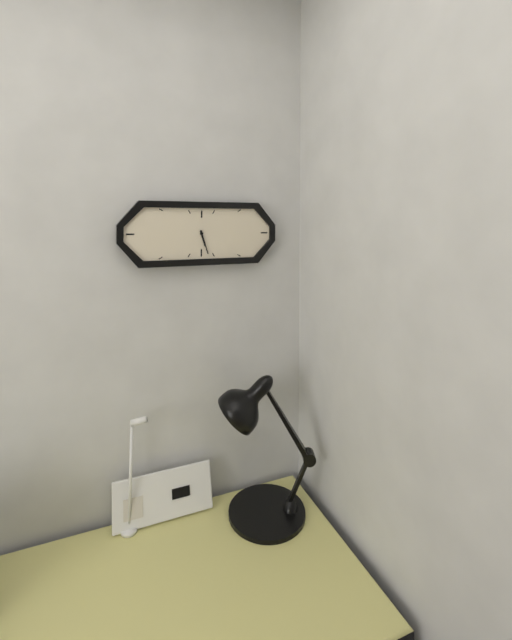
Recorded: 5.27
